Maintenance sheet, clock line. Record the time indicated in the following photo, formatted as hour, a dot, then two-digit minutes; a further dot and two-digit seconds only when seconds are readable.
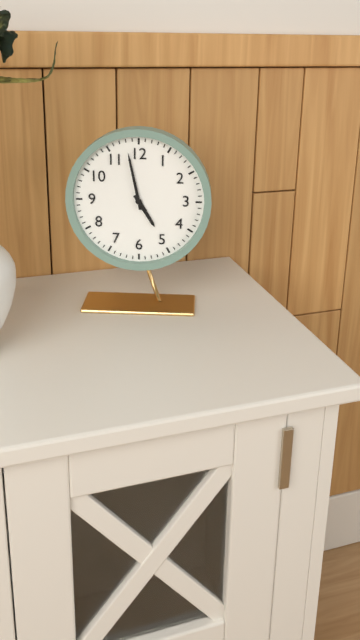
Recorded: 4.58
